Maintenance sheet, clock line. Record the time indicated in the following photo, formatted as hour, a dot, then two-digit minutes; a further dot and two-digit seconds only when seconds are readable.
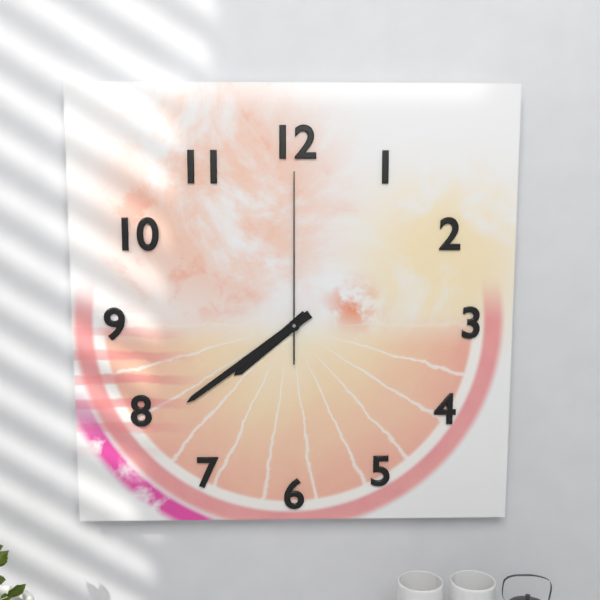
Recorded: 7.39.00
